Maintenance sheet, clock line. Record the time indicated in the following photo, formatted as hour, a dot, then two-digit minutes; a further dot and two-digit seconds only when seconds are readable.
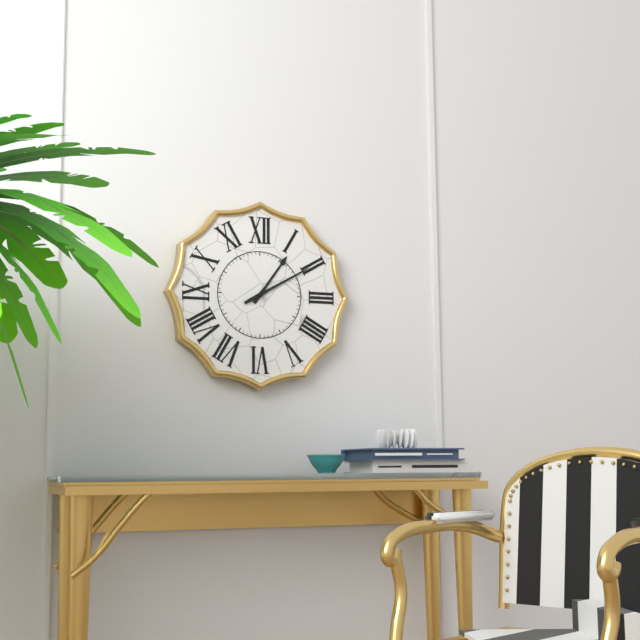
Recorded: 1.10
